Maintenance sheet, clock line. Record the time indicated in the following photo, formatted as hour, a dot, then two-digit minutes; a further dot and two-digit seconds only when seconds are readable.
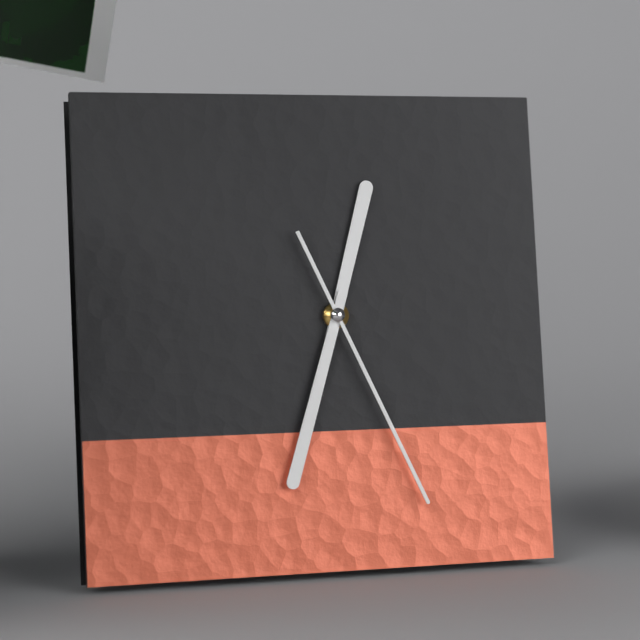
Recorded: 12.33.26
